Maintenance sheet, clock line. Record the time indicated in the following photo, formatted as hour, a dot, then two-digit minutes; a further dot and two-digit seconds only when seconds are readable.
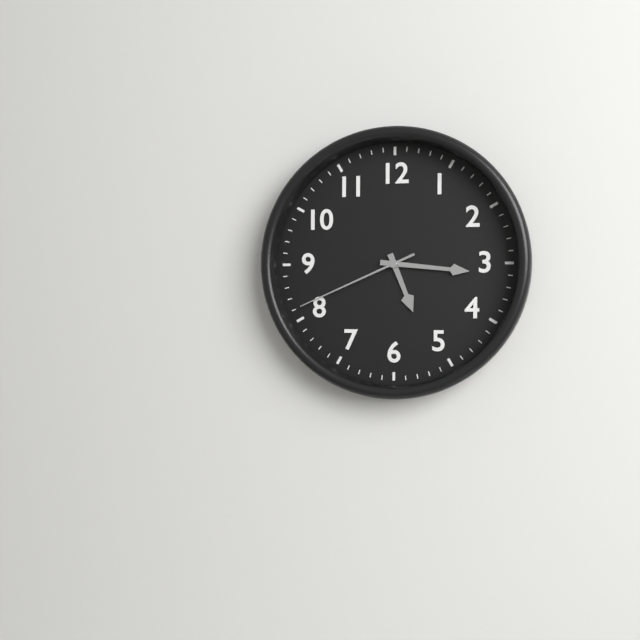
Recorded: 5.16.41
